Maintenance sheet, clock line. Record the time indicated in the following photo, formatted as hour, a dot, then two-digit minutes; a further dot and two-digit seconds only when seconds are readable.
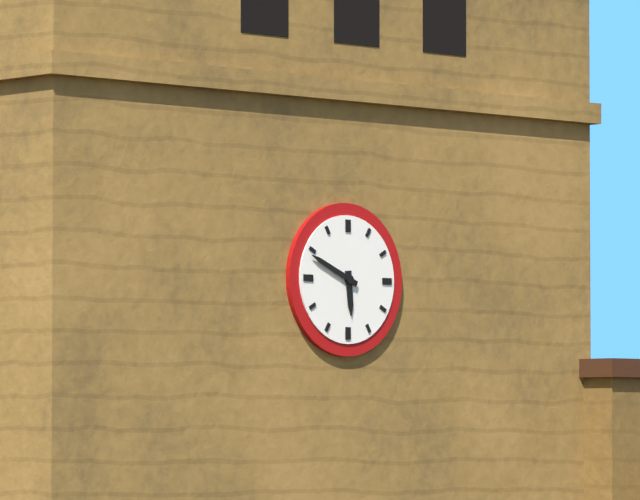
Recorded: 5.49
